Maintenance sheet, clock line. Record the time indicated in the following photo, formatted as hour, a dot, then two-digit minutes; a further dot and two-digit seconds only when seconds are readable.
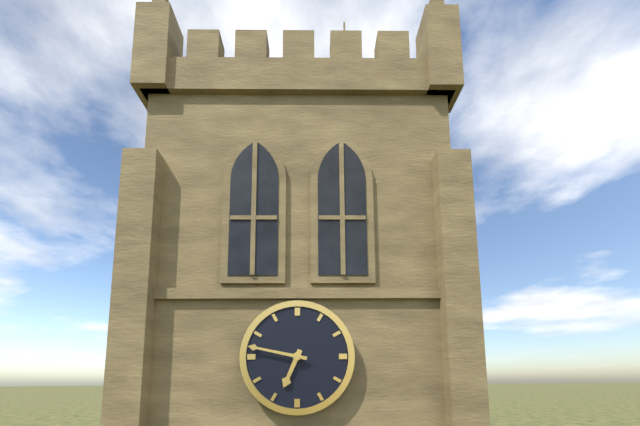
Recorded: 6.47
